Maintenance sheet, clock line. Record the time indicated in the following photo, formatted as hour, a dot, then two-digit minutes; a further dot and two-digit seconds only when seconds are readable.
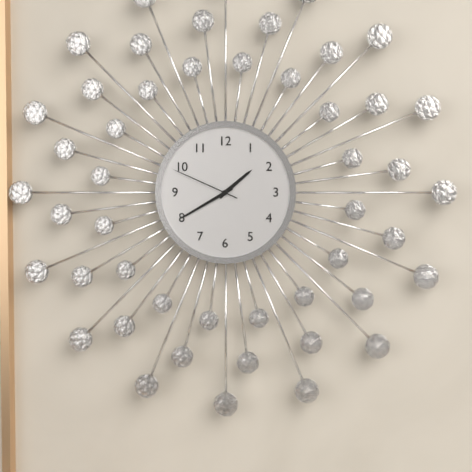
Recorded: 1.40.49
